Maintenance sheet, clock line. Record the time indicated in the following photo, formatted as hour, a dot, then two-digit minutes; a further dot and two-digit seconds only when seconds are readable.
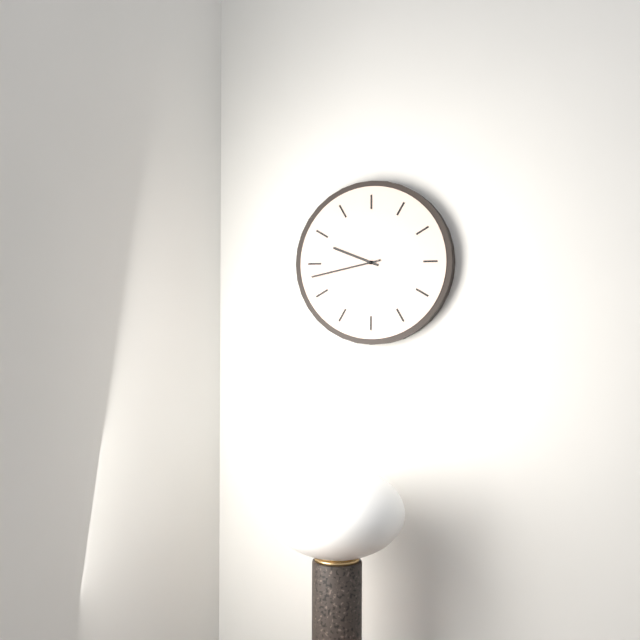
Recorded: 9.43
